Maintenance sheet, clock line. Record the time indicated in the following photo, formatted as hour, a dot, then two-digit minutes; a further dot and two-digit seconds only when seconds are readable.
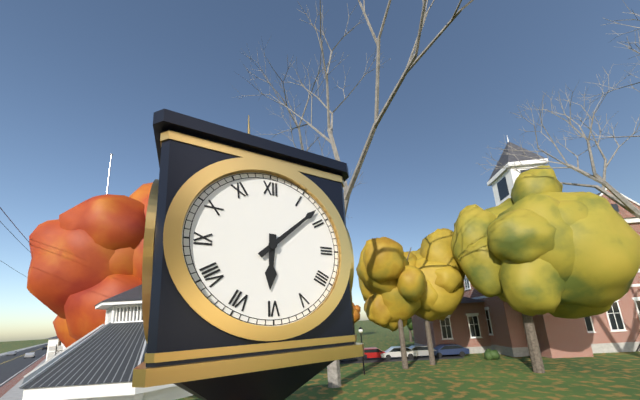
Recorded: 6.08
